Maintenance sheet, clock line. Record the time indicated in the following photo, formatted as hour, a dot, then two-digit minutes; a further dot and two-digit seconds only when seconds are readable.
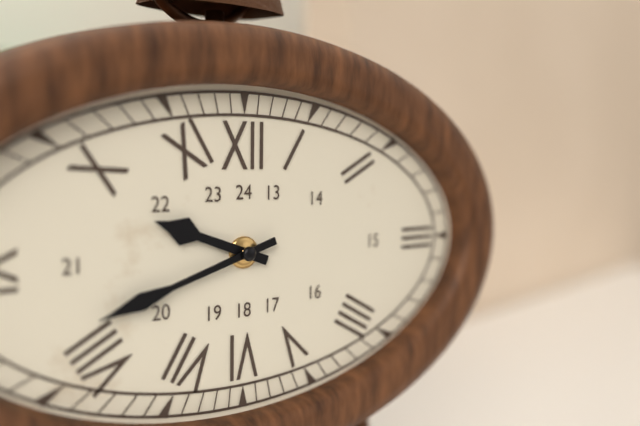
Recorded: 9.42
